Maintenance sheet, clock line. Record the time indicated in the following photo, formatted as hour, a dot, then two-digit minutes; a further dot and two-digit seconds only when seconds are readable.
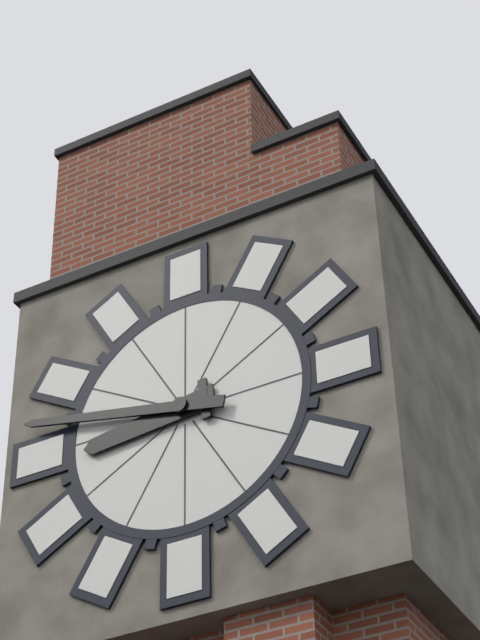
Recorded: 8.47
